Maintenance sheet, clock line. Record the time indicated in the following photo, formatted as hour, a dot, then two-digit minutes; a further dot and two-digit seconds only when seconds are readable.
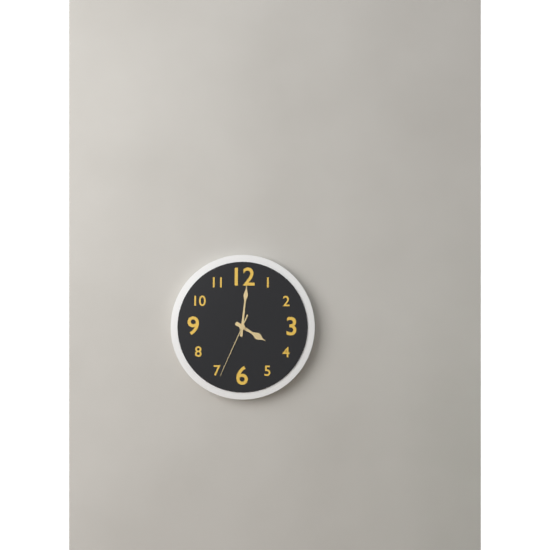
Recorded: 4.01.34
